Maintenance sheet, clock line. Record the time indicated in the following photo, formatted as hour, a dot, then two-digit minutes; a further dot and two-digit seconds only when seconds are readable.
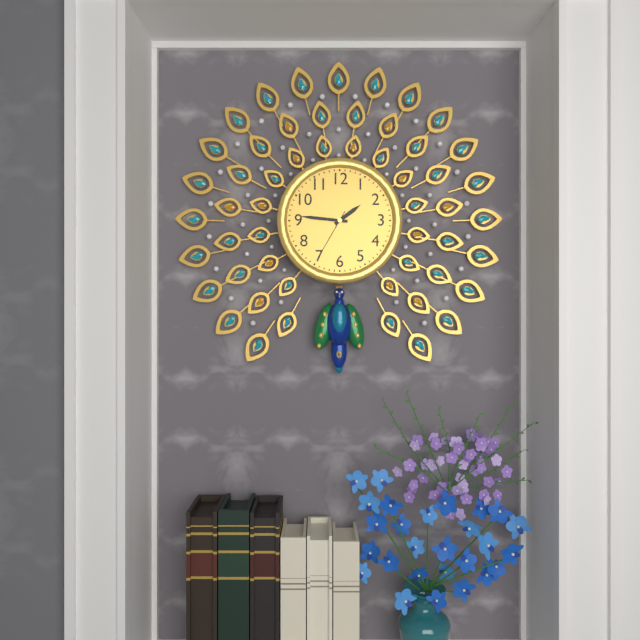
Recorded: 1.46.35
